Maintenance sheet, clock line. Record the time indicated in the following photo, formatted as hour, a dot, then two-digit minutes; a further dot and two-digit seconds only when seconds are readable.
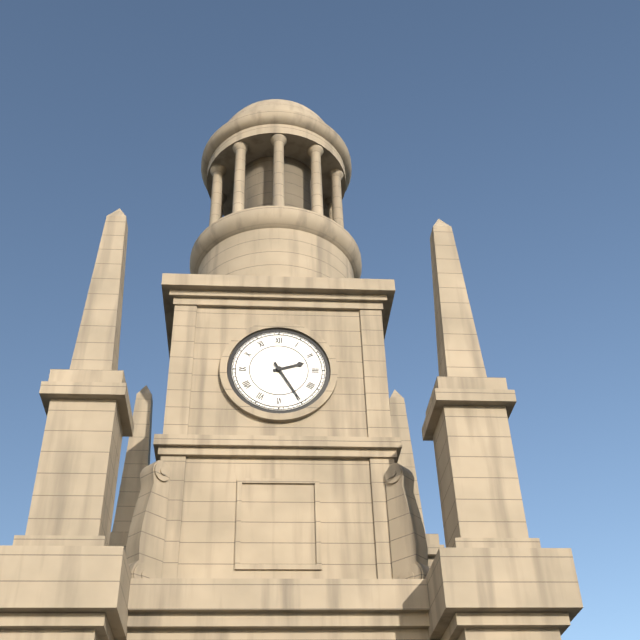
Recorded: 2.25
